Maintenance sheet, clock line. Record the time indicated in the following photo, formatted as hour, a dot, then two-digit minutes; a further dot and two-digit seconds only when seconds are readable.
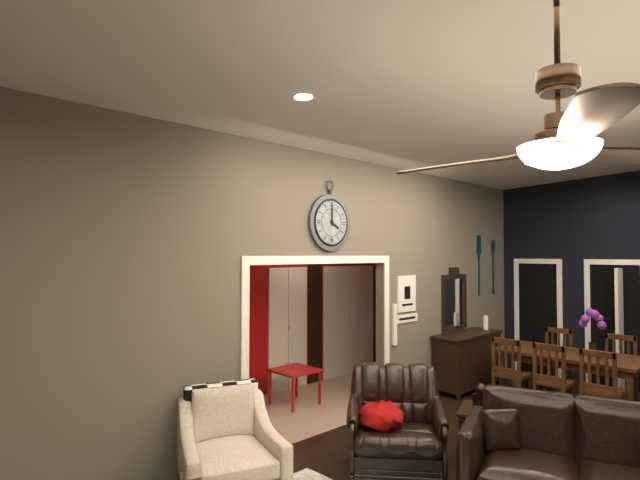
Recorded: 4.00
